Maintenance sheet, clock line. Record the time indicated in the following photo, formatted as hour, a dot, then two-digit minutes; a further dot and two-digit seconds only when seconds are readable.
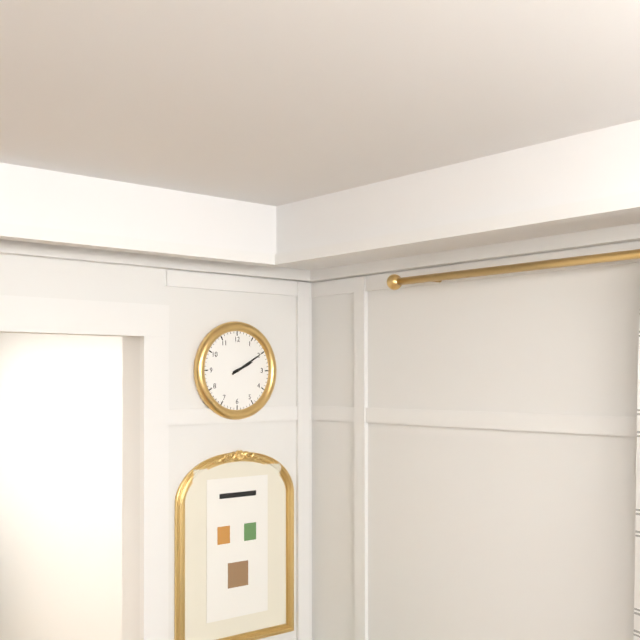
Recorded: 2.10
